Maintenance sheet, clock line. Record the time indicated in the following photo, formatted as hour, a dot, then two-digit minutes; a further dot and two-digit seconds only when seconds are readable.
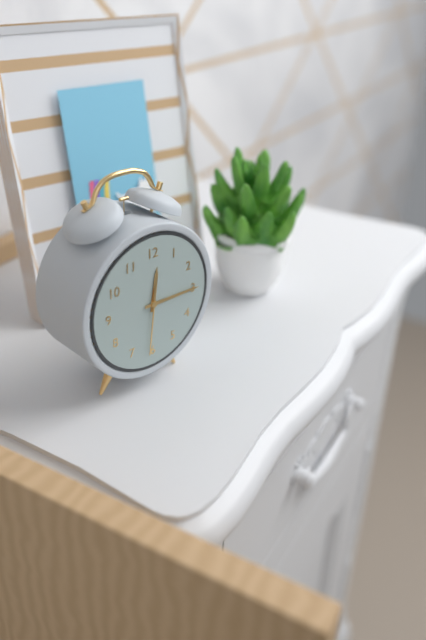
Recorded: 12.15.31
